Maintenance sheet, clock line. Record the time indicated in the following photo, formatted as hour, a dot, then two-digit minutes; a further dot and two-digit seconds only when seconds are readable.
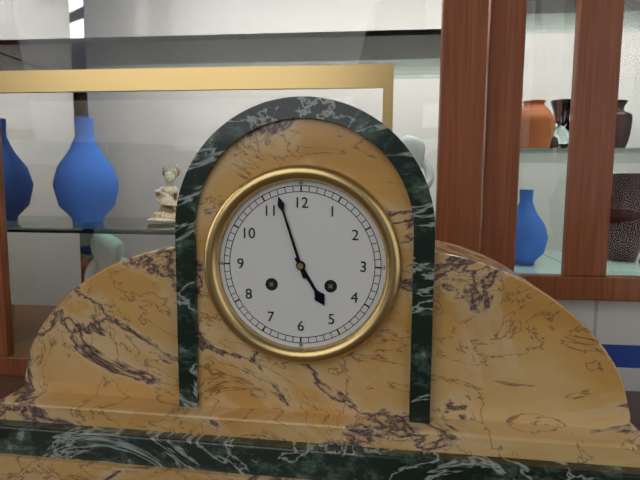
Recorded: 4.57
